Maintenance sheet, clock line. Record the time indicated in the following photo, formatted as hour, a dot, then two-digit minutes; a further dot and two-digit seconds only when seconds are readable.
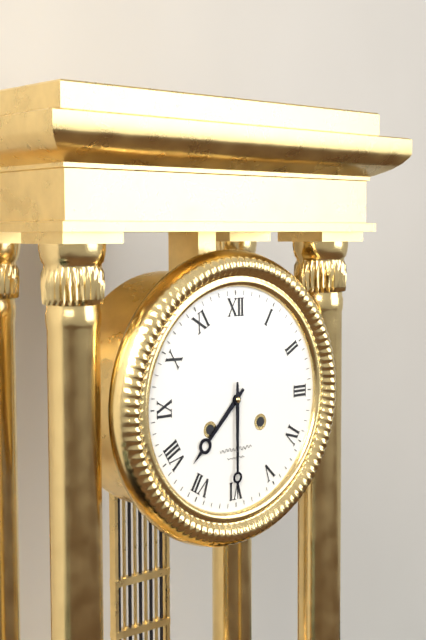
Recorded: 7.30
